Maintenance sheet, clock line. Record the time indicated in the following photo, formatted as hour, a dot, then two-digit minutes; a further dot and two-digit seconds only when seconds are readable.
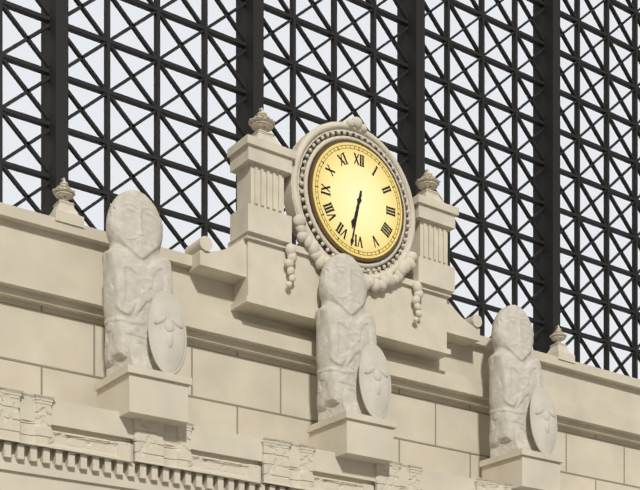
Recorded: 6.32
